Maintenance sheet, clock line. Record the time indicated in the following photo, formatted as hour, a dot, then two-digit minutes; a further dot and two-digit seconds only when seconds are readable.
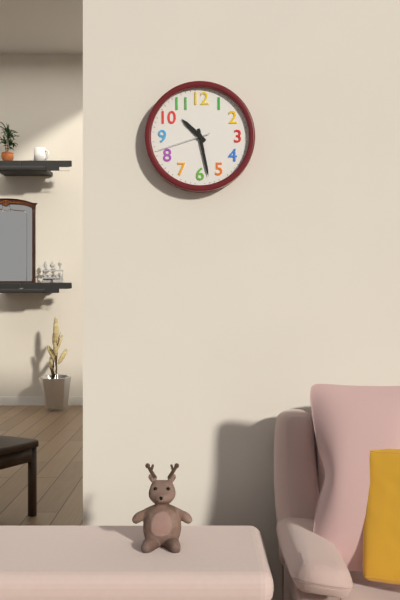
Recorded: 10.28.42
